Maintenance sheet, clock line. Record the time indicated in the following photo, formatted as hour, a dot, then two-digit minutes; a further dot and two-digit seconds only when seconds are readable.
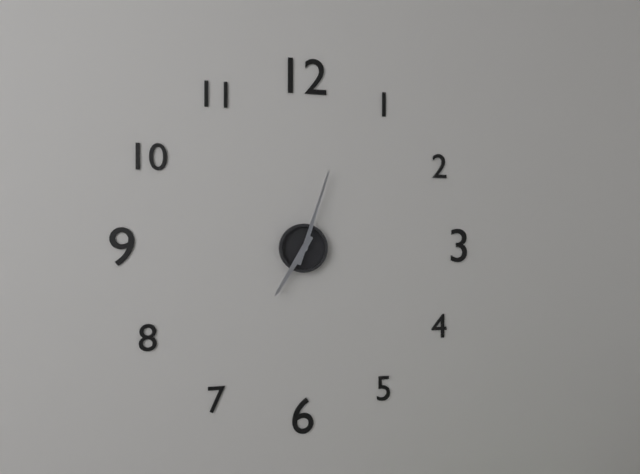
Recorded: 7.03
